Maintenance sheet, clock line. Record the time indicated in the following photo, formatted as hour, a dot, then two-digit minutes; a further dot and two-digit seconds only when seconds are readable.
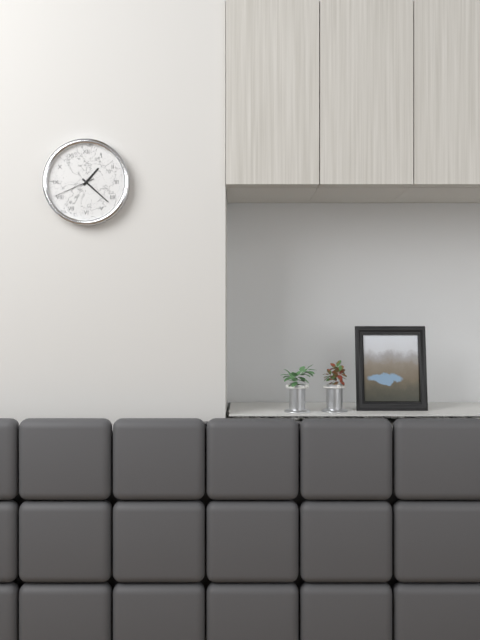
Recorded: 1.22
